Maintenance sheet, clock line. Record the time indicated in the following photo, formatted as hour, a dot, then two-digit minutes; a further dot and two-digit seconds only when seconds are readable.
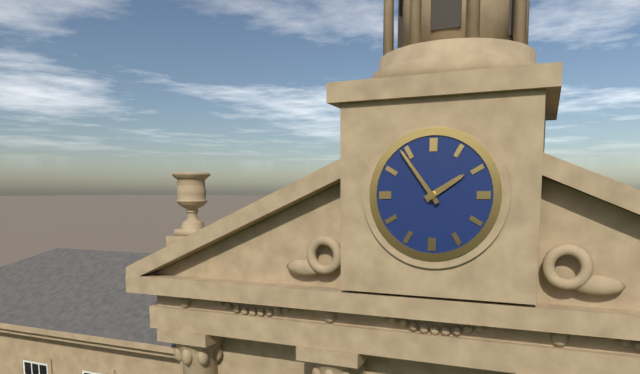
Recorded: 1.54
